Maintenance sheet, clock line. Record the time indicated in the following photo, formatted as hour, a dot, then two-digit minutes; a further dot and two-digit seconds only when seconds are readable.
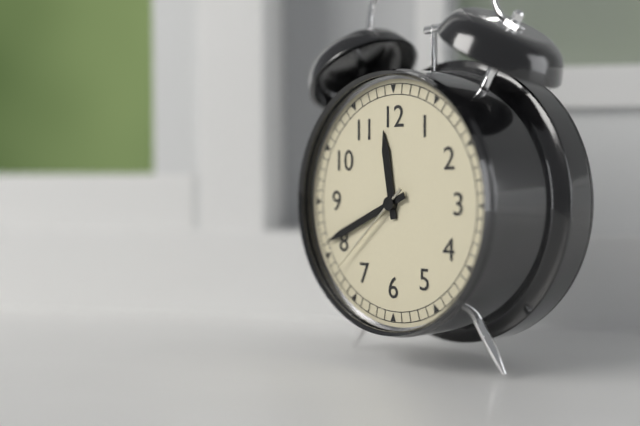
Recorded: 11.41.38
